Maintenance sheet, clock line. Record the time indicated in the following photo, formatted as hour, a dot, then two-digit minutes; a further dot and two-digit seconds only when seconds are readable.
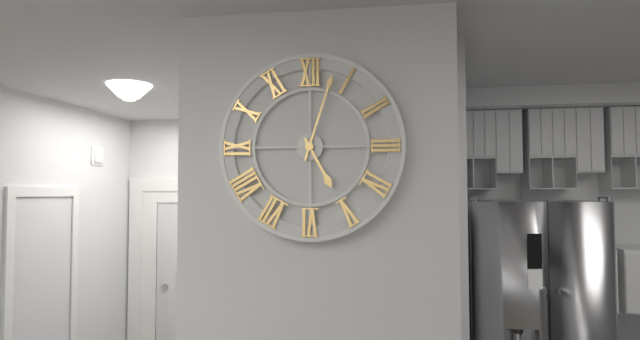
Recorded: 5.03
